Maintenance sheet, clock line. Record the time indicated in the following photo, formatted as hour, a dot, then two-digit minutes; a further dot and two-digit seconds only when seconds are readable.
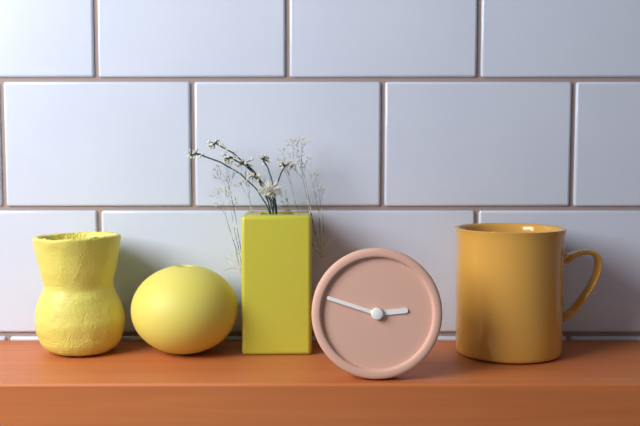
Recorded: 2.48
